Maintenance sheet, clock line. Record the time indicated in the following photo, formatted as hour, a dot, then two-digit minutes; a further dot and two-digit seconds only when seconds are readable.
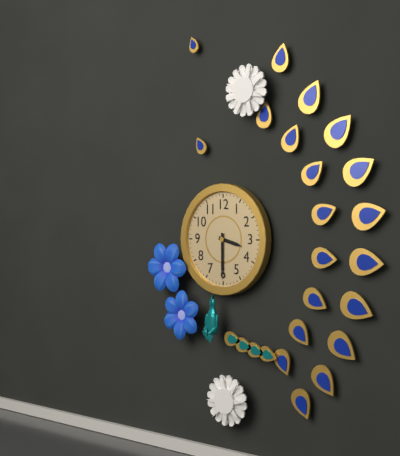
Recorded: 3.30
